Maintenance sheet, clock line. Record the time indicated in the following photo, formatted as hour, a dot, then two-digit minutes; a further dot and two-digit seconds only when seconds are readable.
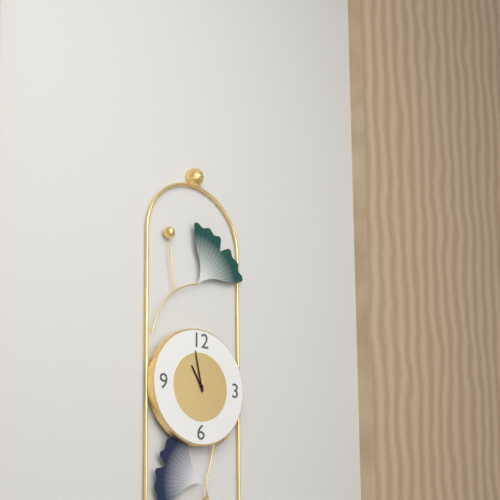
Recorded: 10.58
